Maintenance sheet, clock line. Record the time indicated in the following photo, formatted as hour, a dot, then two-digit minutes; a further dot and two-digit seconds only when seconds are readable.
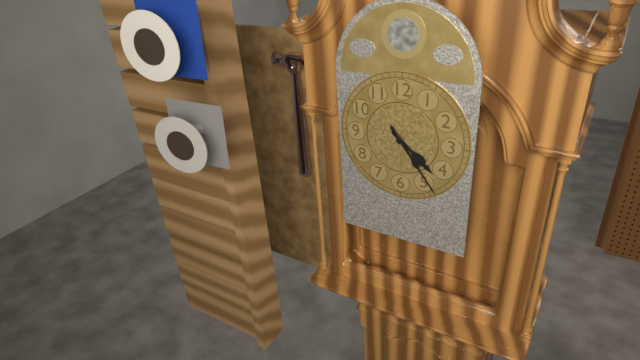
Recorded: 4.24
